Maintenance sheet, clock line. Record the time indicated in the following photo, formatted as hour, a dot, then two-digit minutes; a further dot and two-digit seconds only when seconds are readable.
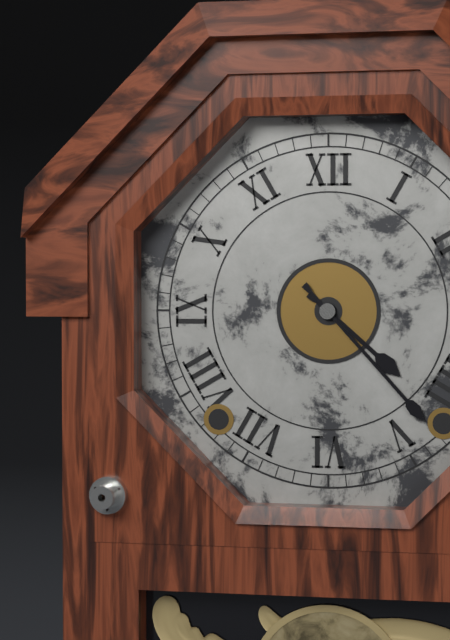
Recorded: 4.23
